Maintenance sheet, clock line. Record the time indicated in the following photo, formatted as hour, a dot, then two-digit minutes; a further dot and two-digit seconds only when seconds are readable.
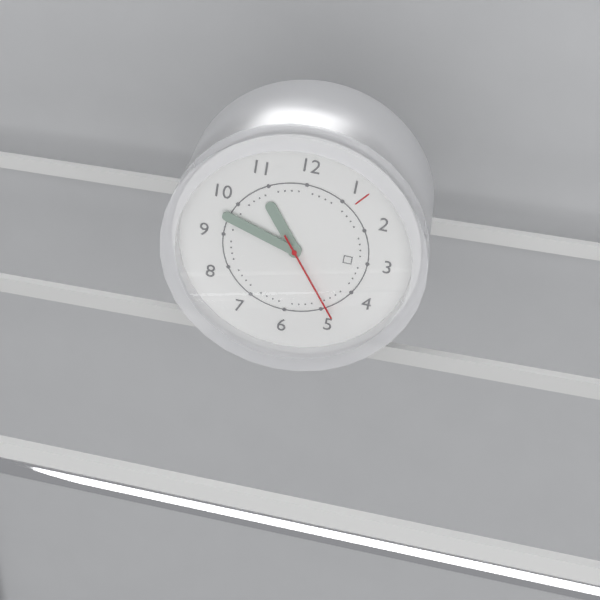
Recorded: 10.48.24
